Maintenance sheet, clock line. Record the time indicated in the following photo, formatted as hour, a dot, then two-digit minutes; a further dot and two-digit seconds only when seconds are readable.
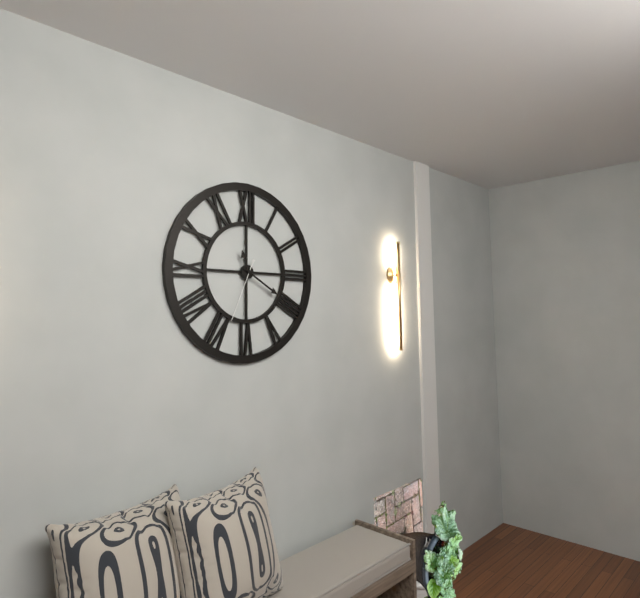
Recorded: 11.20.34
